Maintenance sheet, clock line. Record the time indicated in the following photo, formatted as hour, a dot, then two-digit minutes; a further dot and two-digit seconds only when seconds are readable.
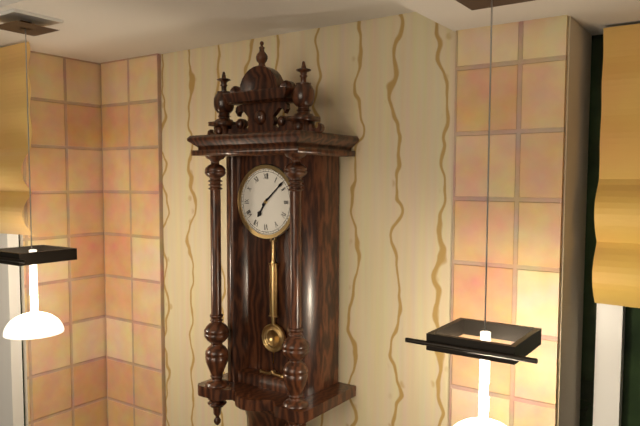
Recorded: 7.08
